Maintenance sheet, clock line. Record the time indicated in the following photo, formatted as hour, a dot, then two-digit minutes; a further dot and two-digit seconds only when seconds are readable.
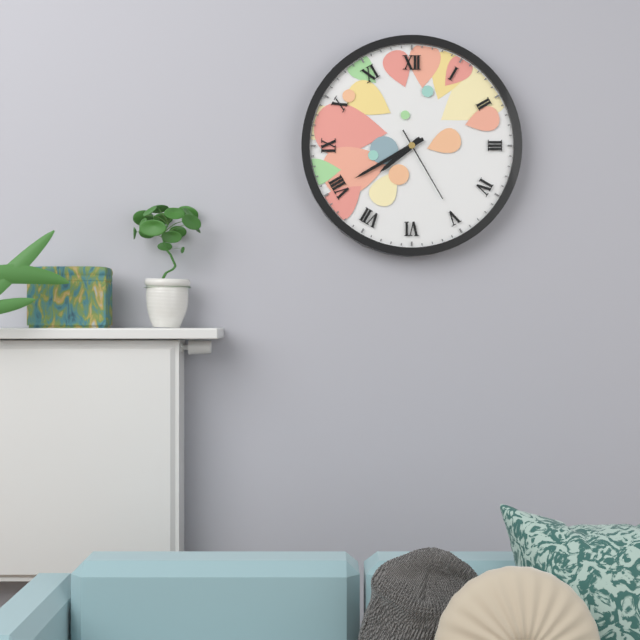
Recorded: 7.40.25
